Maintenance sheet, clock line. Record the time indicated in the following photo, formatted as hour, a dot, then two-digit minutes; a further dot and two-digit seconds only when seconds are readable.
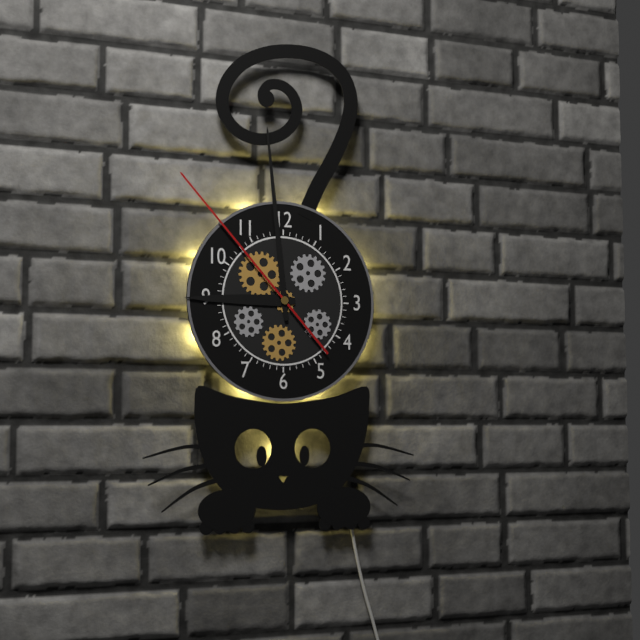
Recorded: 8.59.53
